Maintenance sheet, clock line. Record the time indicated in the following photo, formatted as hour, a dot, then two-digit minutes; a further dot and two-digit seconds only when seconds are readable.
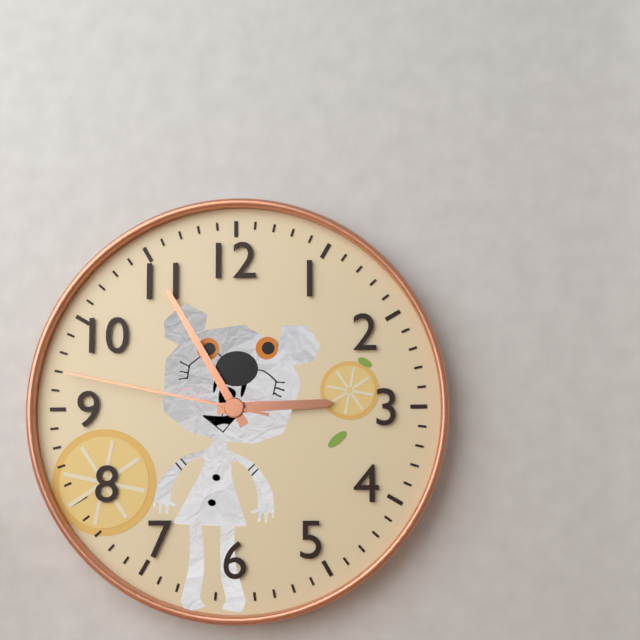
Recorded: 2.55.47
